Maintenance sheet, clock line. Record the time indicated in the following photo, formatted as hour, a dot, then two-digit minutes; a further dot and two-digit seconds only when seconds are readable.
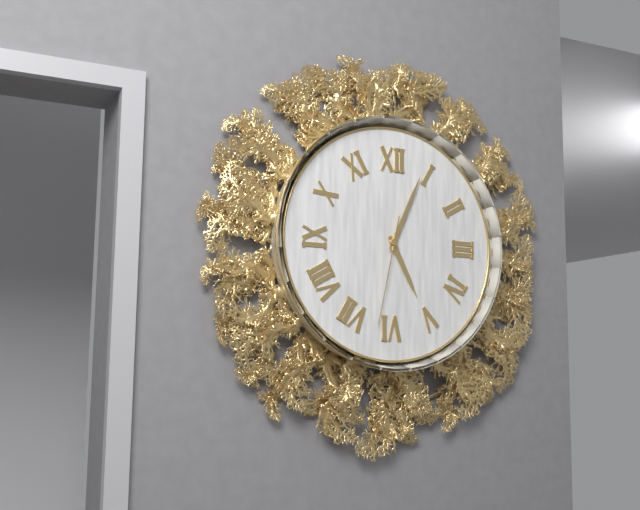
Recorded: 5.04.32
